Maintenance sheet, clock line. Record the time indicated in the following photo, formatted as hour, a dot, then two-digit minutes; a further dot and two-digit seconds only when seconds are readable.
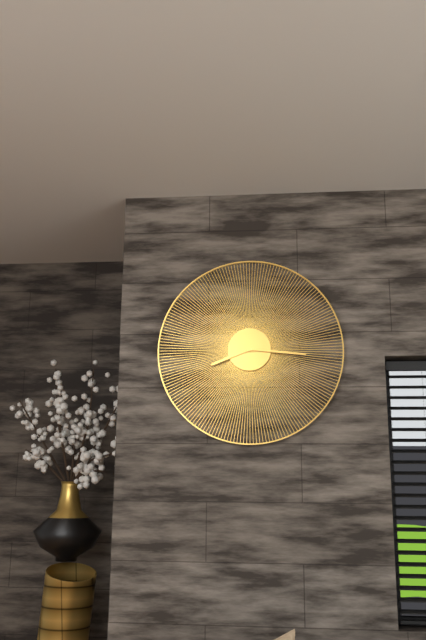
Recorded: 8.16
